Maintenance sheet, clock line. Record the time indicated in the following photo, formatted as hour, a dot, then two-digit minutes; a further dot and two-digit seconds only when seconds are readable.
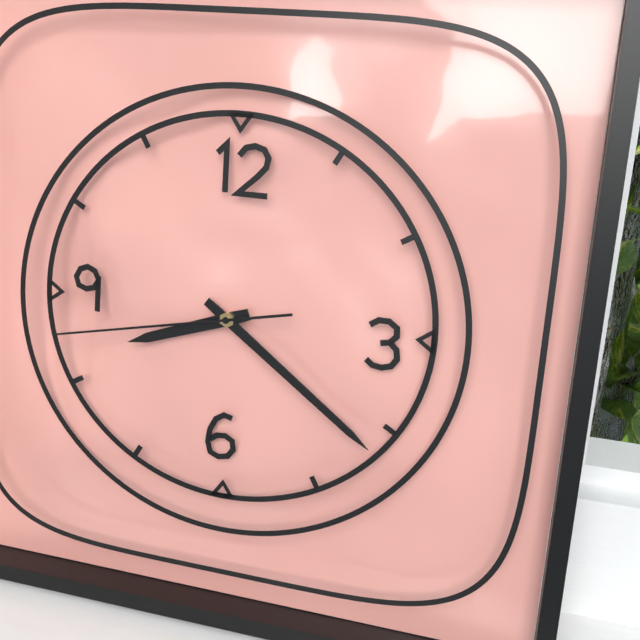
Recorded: 8.21.43
